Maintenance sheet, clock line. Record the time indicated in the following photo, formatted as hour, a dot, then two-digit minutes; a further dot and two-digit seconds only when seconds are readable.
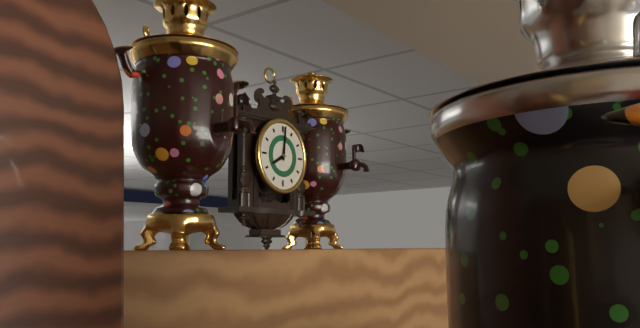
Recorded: 8.01
